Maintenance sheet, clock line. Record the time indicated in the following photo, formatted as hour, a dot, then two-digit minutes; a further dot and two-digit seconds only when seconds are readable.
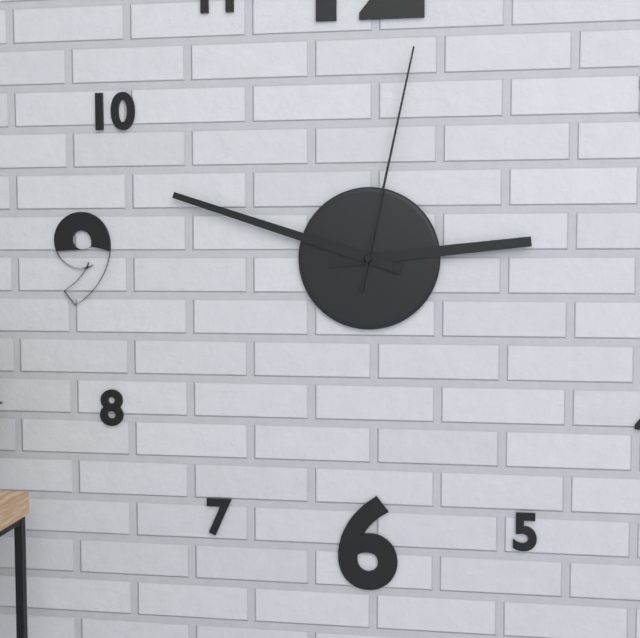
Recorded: 2.48.02
